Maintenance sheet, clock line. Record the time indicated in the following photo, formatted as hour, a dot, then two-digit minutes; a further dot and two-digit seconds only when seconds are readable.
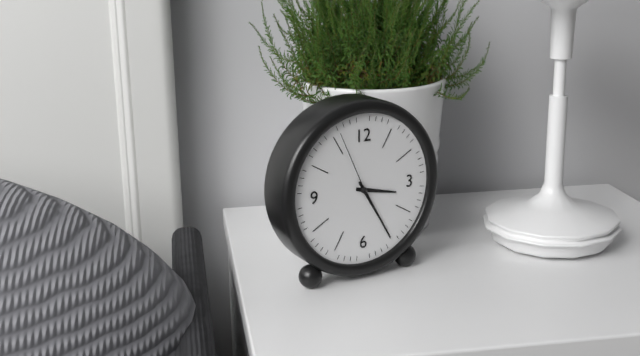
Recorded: 3.25.56
